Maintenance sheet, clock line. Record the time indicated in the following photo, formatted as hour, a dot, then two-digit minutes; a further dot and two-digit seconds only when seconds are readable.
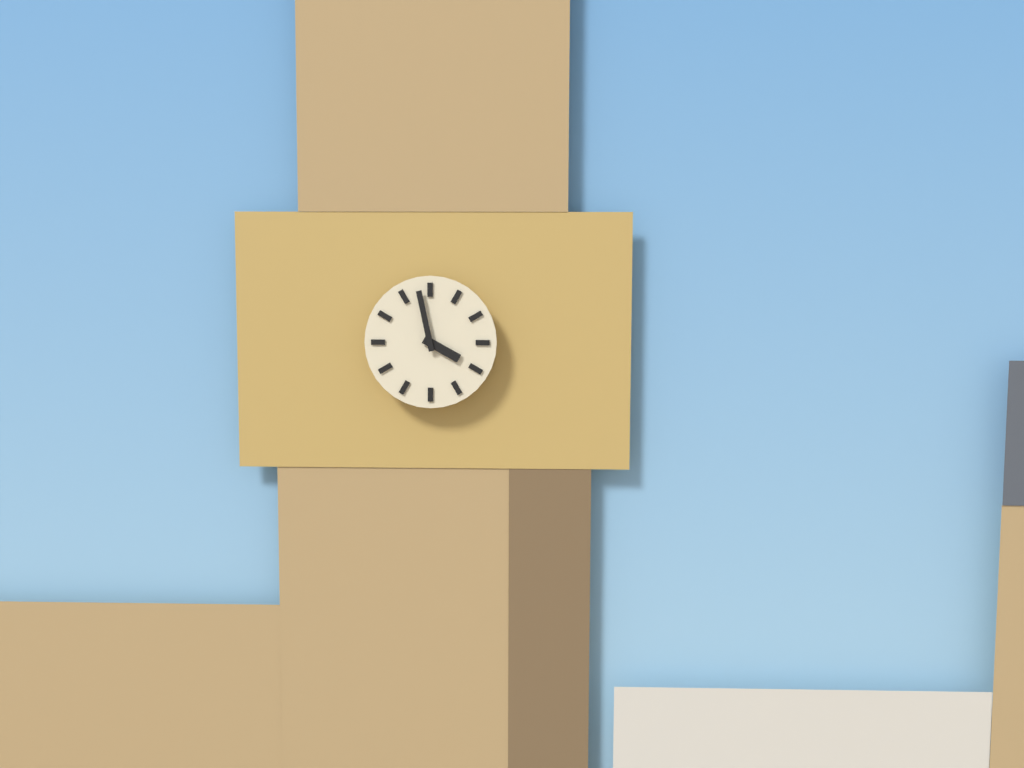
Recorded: 3.58
